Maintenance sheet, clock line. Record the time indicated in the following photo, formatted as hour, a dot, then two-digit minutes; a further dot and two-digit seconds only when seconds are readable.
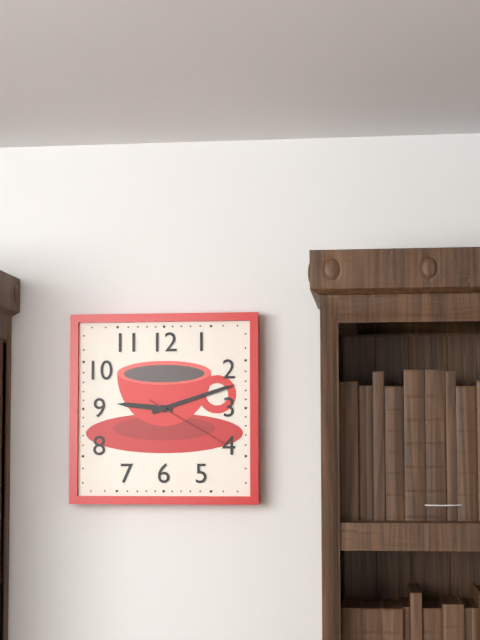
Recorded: 9.12.20
